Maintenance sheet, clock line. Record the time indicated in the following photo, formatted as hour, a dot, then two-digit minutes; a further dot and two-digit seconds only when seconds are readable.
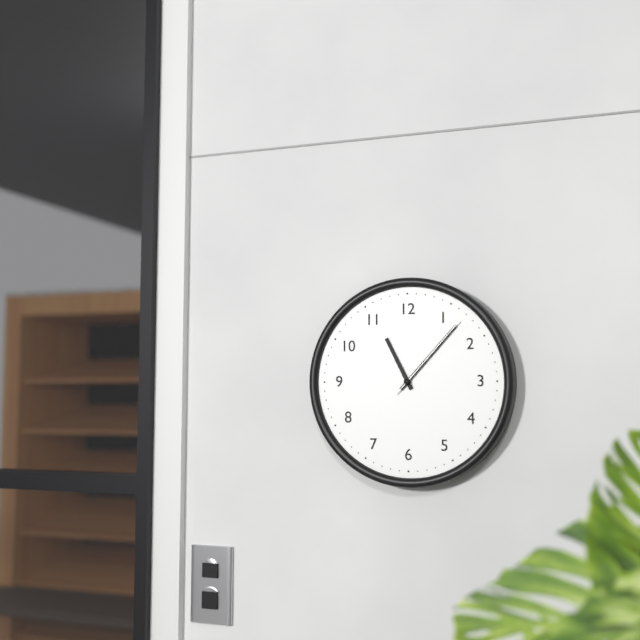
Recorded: 11.07.07
